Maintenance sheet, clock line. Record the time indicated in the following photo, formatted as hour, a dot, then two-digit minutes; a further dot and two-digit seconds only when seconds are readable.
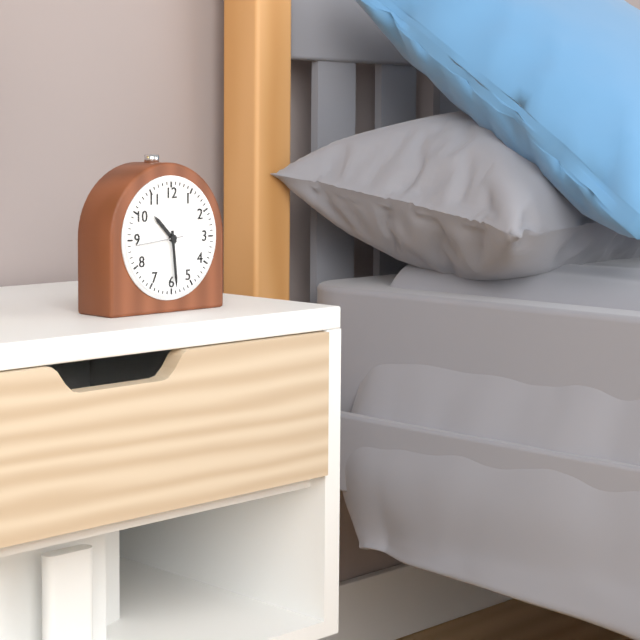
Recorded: 10.29
